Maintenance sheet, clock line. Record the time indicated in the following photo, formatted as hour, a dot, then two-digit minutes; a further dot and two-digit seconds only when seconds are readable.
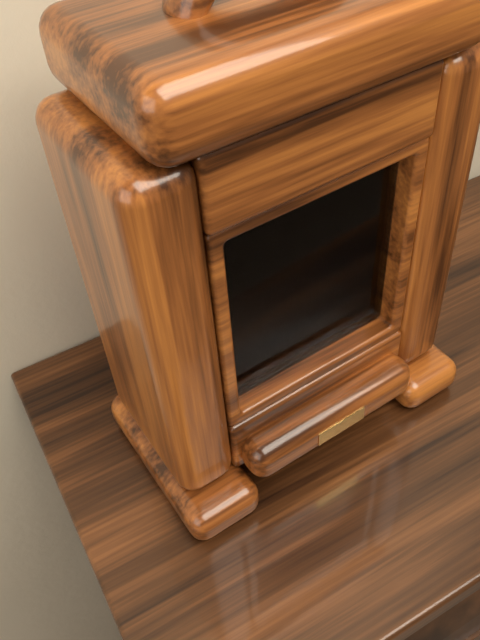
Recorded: 8.01.53
